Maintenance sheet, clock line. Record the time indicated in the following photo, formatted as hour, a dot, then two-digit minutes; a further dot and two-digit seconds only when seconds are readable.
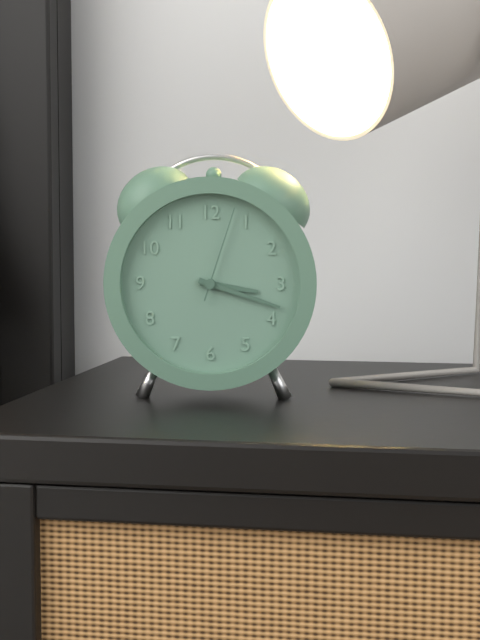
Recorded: 3.18.03
